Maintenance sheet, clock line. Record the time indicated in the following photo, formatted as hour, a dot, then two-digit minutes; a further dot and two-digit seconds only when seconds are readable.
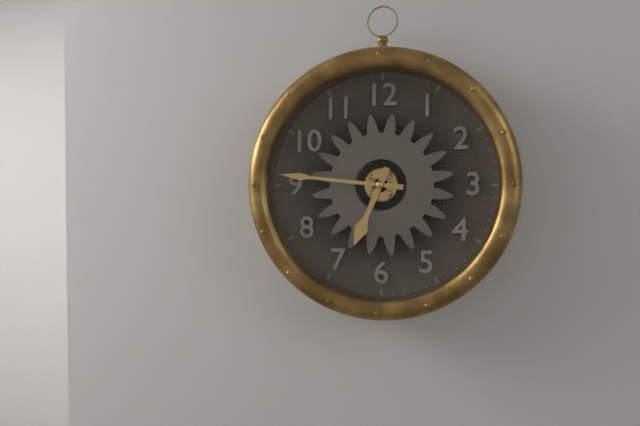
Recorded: 6.46
